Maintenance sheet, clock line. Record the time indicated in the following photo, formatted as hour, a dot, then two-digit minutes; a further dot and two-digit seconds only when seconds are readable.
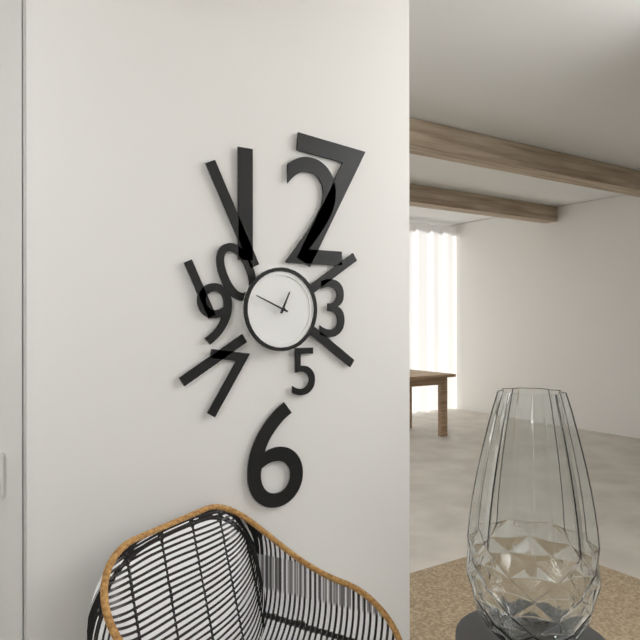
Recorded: 12.49
